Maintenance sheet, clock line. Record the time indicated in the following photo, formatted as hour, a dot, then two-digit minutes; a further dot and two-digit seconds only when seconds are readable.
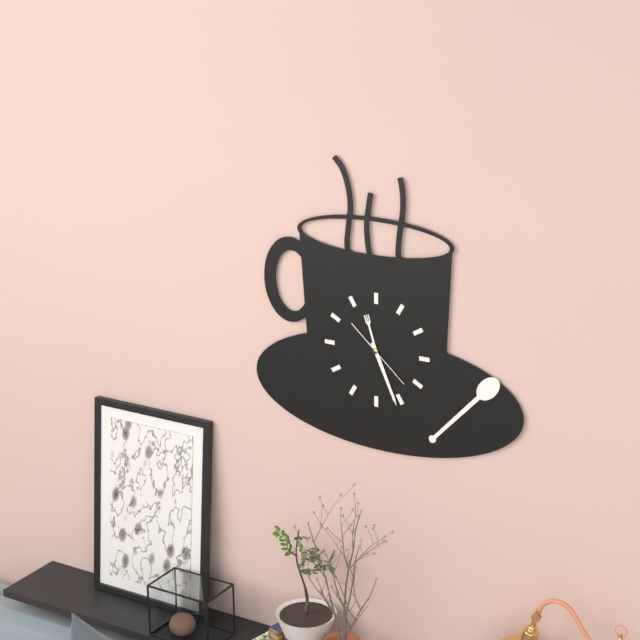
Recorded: 11.26.22
